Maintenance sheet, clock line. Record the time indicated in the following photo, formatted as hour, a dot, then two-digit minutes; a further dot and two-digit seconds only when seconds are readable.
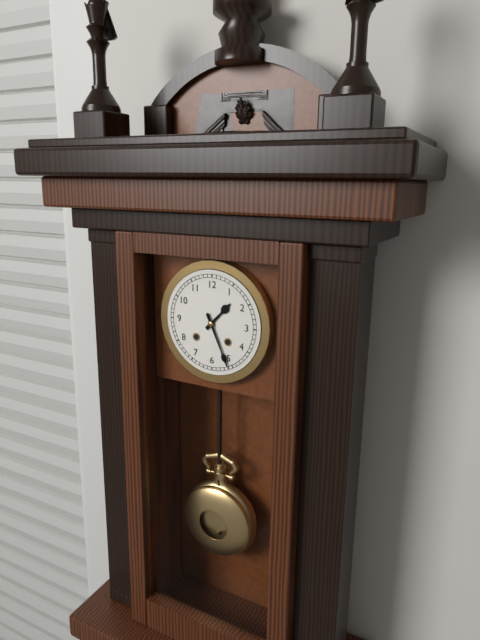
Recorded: 1.26
